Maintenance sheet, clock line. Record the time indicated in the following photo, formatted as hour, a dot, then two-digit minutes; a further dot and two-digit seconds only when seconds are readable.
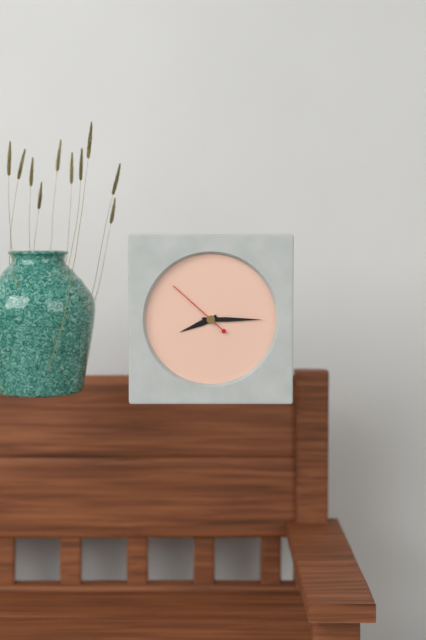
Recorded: 8.15.52
